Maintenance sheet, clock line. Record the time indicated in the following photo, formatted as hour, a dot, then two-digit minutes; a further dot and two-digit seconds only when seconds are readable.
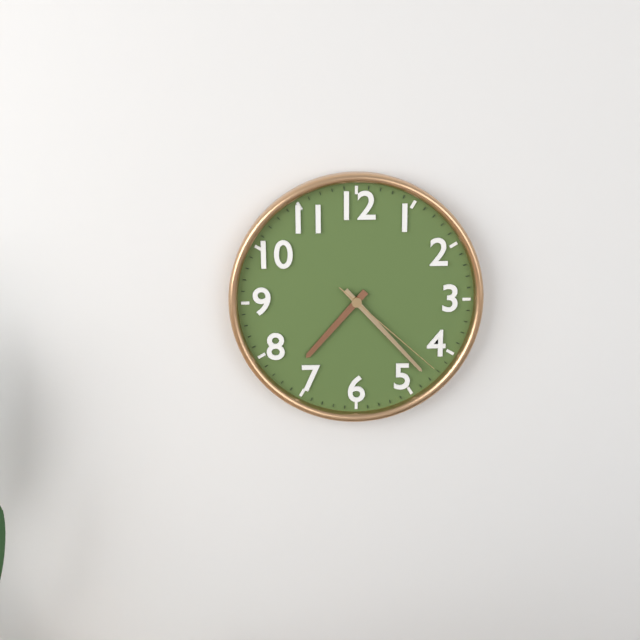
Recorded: 7.23.22
